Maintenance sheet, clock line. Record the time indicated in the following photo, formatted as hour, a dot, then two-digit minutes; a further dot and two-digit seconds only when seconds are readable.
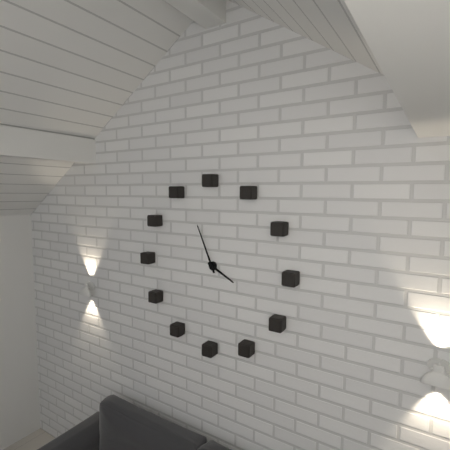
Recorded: 3.56
